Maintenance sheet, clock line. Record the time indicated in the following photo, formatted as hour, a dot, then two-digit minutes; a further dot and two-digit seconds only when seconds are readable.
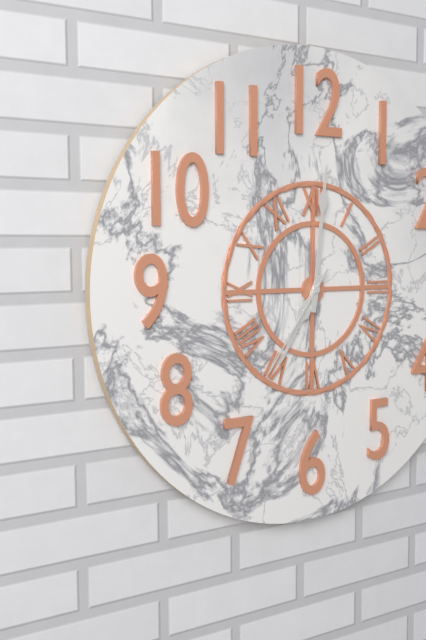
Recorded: 7.01.36
